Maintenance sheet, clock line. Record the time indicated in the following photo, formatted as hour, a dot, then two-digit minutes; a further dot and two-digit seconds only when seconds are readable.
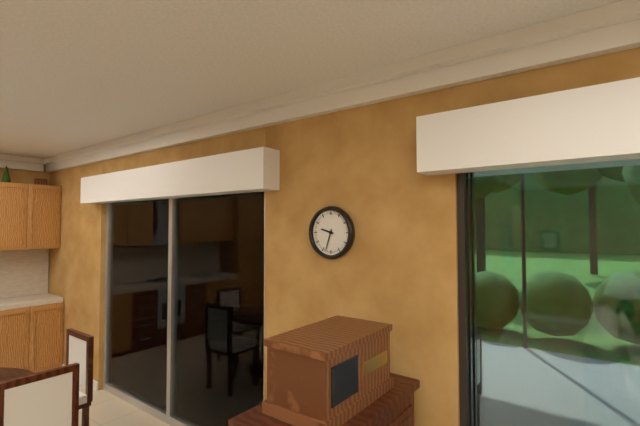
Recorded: 9.33
